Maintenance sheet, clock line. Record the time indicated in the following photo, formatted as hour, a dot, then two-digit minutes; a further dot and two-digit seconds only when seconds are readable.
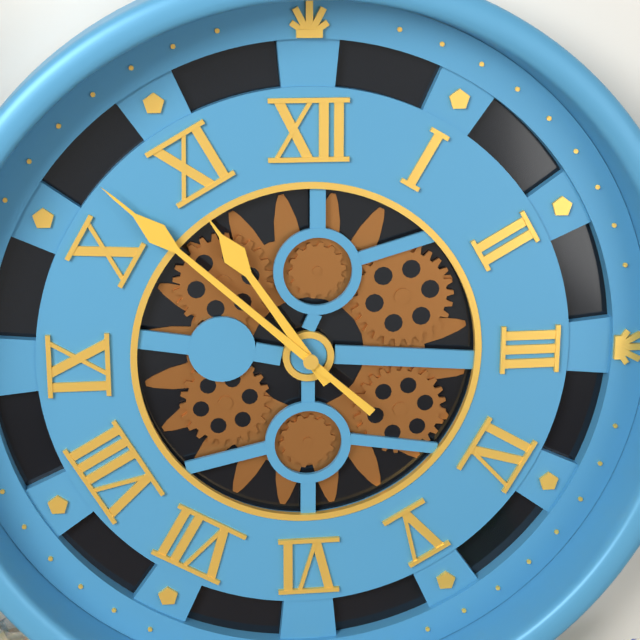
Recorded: 10.52
